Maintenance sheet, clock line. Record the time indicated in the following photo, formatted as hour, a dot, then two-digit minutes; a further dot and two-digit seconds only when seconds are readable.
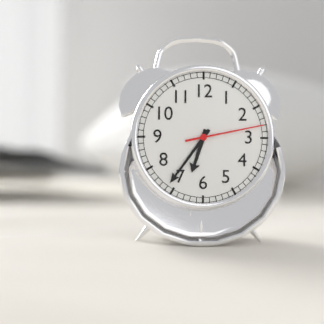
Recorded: 6.36.13
